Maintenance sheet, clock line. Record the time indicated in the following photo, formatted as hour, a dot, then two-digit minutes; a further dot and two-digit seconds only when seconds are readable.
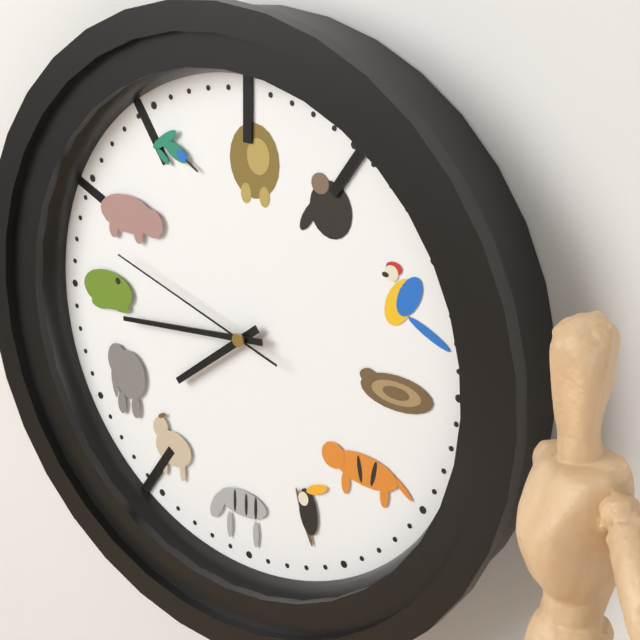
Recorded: 7.44.48
